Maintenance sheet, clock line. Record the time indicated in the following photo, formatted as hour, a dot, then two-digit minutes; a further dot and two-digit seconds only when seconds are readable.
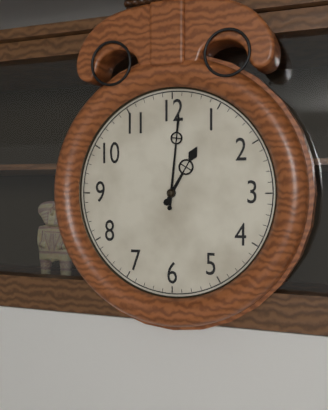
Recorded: 1.01
